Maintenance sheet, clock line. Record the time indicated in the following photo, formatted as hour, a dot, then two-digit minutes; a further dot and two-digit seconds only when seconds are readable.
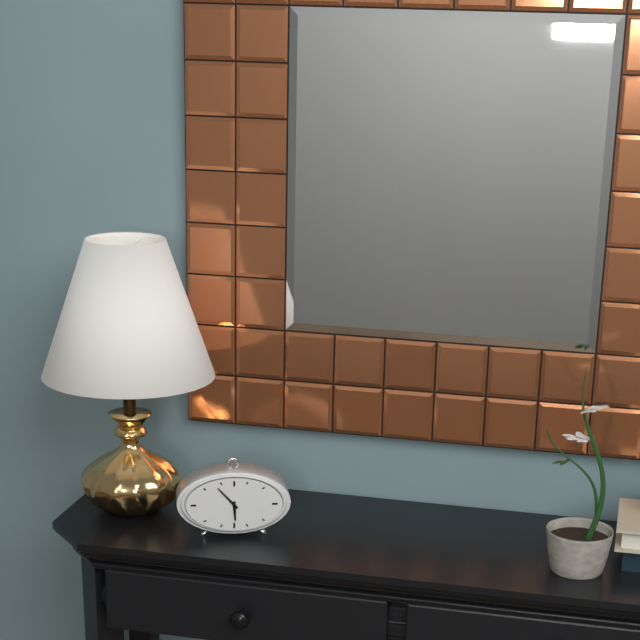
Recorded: 5.53
